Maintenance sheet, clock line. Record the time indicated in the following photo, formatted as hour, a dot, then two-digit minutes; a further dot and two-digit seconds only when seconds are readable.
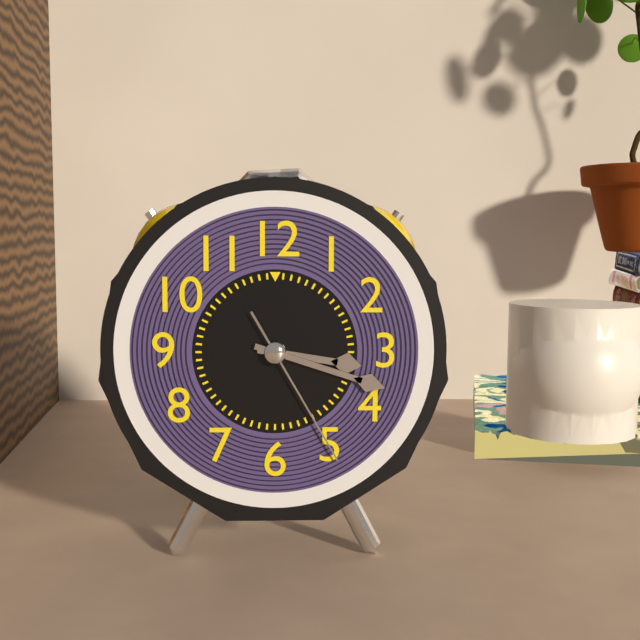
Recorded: 3.18.25
